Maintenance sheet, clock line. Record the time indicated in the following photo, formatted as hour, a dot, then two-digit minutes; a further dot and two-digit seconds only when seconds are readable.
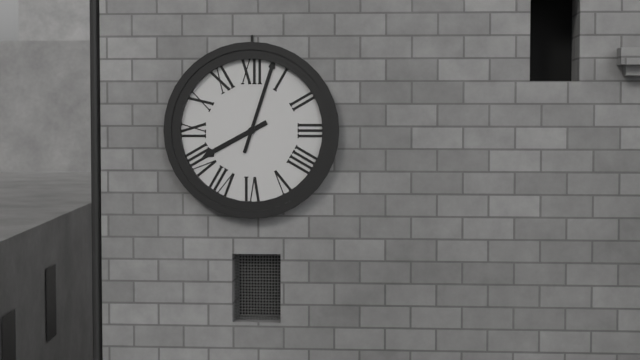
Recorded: 8.03
